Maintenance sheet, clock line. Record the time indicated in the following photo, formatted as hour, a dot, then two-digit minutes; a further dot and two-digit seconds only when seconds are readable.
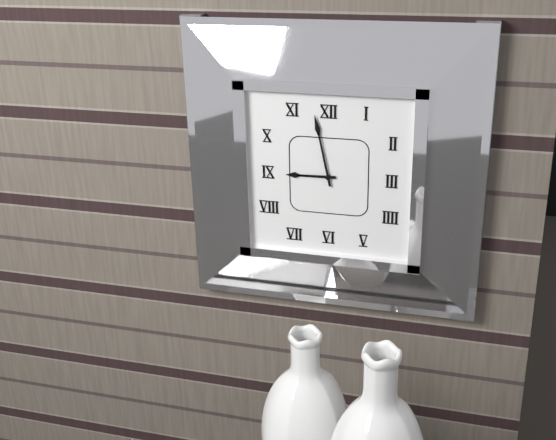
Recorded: 8.58
